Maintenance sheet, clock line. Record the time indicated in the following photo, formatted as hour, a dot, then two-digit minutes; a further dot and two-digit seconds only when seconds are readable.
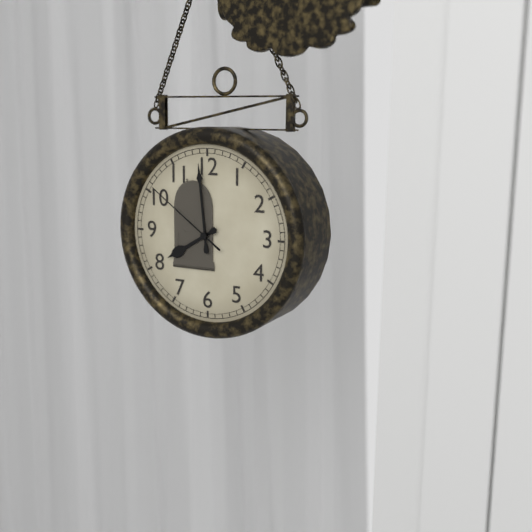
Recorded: 7.59.51
